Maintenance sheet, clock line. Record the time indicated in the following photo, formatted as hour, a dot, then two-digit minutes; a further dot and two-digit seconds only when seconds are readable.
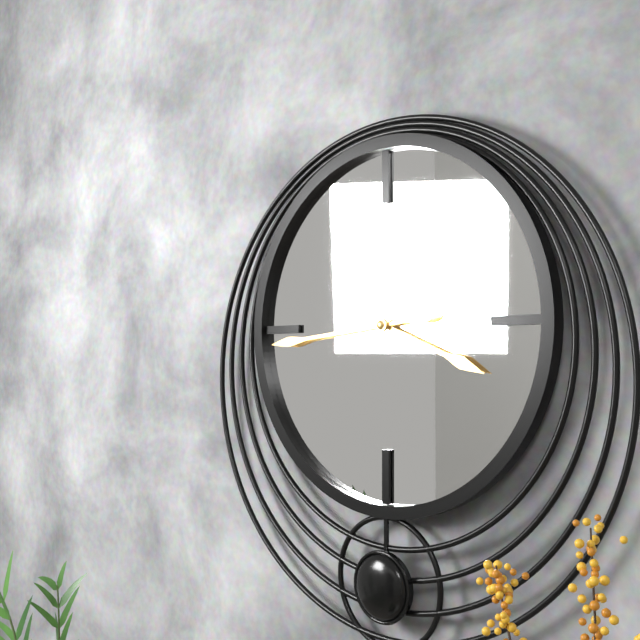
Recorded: 3.44
